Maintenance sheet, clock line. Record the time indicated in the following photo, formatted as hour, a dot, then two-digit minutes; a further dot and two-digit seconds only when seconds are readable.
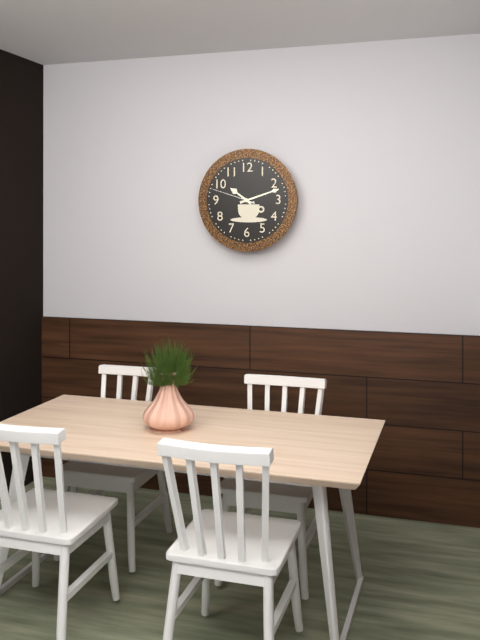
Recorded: 10.12
